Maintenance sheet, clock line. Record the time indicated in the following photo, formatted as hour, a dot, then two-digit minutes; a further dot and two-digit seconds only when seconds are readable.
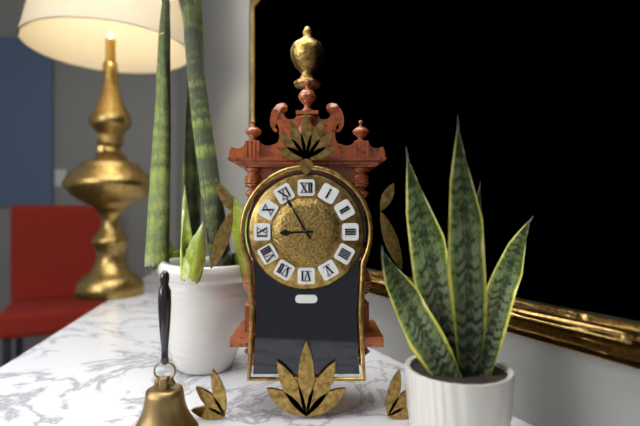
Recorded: 8.55
